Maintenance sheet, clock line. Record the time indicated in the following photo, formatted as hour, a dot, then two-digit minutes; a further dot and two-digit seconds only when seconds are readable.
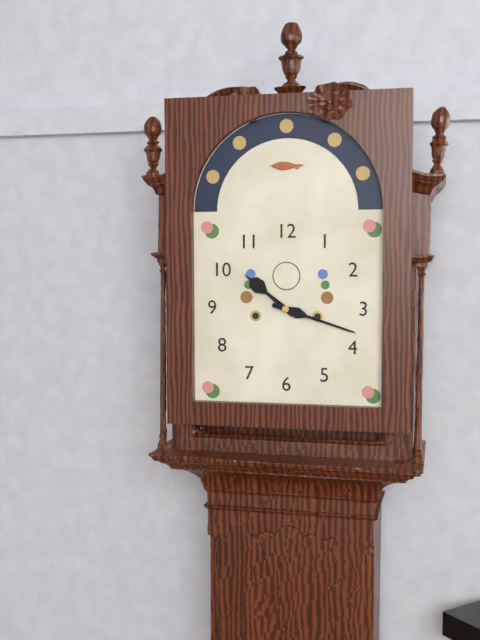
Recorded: 10.18
